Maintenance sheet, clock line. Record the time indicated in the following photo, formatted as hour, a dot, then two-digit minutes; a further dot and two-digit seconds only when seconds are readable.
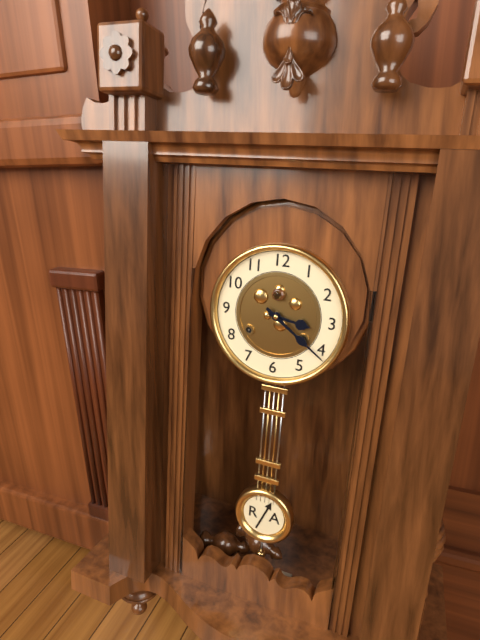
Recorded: 3.21
